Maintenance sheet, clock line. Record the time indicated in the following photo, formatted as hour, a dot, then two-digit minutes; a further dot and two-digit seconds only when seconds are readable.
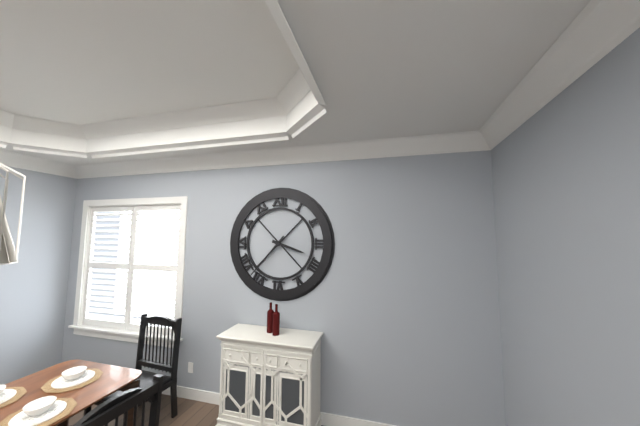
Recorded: 3.37
